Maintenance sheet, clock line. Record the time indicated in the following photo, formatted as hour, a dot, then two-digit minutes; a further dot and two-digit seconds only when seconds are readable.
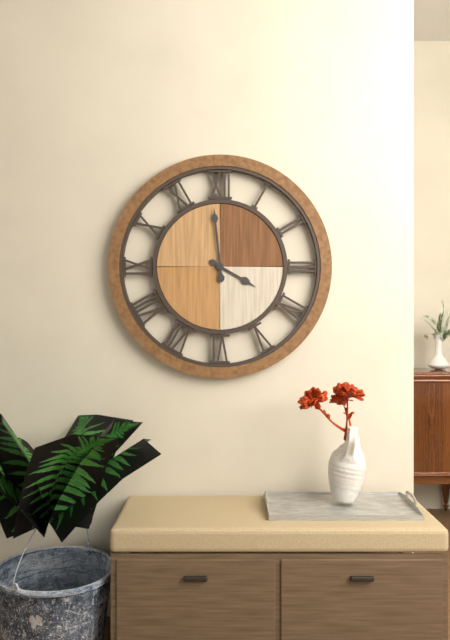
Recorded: 3.59
